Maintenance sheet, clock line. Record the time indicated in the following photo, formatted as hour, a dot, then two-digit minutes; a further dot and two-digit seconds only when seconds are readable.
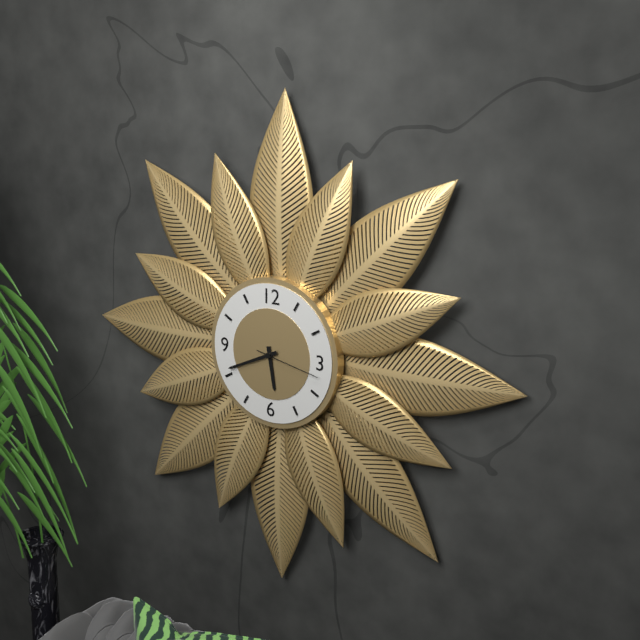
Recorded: 5.41.17
